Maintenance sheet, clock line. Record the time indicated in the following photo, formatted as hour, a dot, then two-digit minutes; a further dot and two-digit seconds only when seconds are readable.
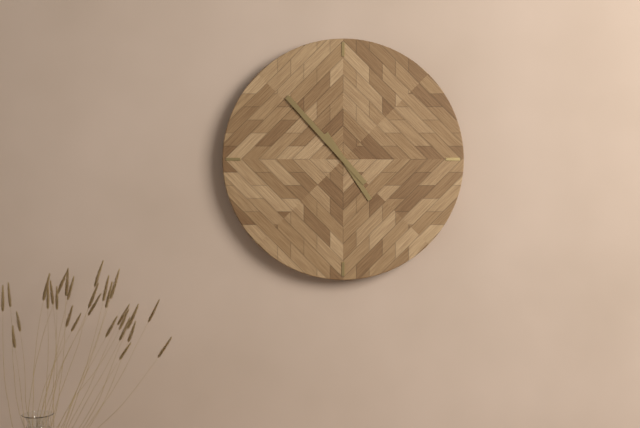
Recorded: 4.53
